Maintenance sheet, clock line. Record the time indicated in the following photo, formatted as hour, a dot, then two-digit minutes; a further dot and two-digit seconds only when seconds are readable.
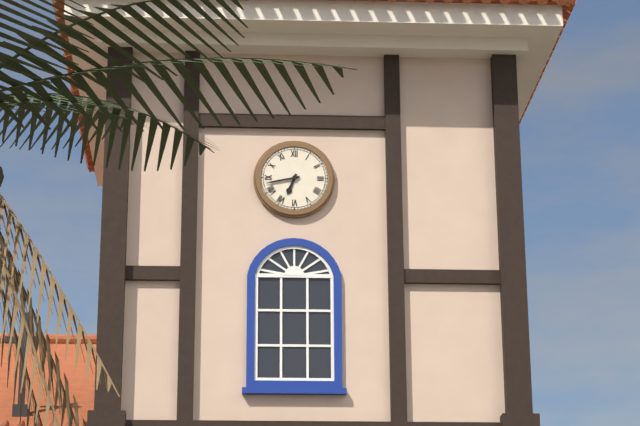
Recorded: 6.43
